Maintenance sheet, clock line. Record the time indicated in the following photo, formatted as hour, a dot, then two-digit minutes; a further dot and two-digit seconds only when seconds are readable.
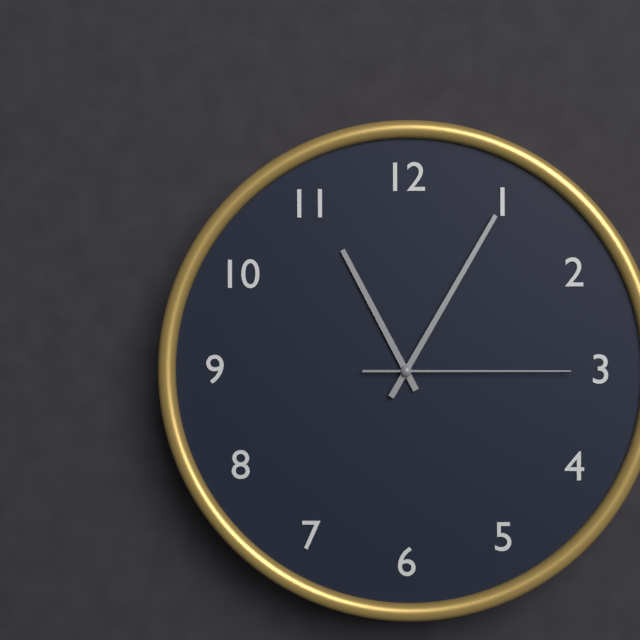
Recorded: 11.05.15
